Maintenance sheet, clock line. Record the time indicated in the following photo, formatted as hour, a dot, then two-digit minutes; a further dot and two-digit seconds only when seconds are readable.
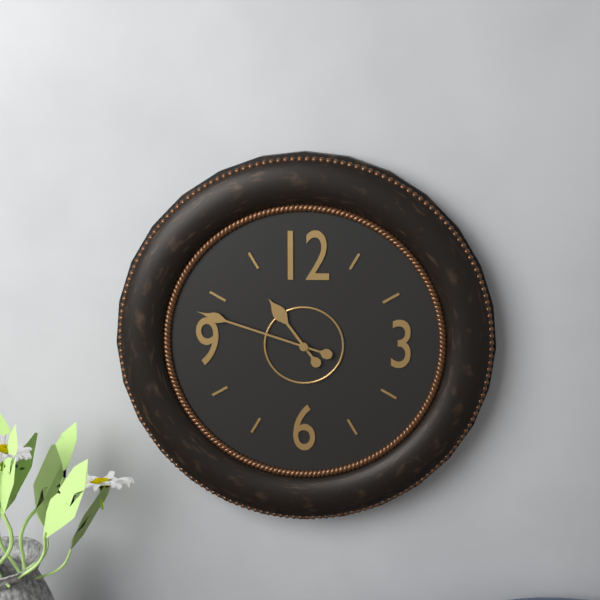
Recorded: 10.48
